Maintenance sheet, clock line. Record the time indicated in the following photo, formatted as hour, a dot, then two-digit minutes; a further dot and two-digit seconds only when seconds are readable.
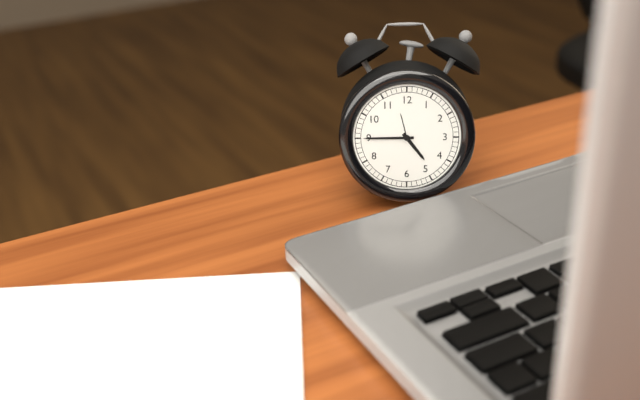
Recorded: 4.45
